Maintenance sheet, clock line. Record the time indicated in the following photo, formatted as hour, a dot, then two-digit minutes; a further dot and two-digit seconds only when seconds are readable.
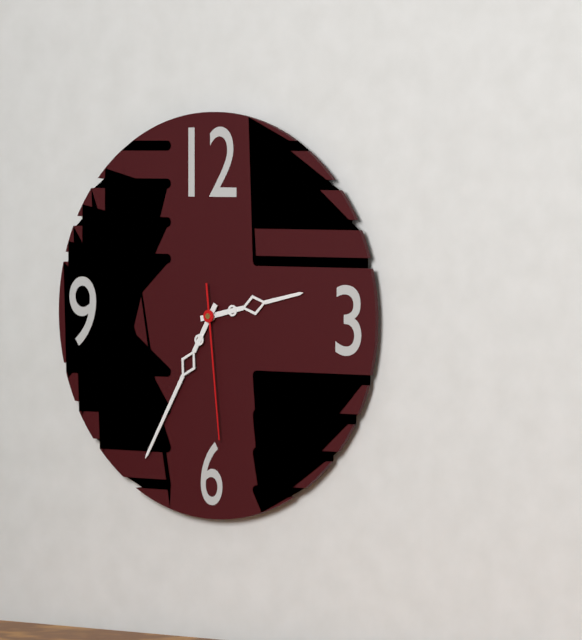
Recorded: 2.35.29
